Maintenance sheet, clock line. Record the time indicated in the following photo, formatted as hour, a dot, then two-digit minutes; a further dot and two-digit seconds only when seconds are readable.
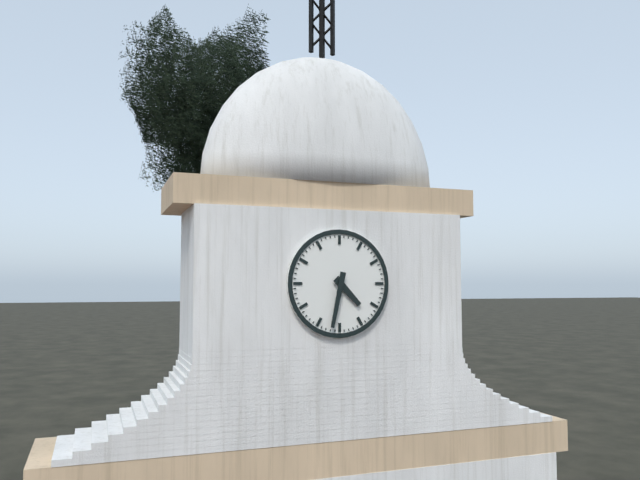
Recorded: 4.32
